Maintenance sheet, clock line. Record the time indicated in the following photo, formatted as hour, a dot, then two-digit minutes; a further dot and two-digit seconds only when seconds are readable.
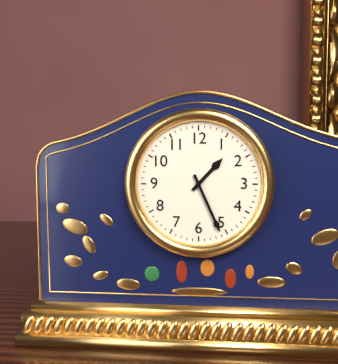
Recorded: 1.26
